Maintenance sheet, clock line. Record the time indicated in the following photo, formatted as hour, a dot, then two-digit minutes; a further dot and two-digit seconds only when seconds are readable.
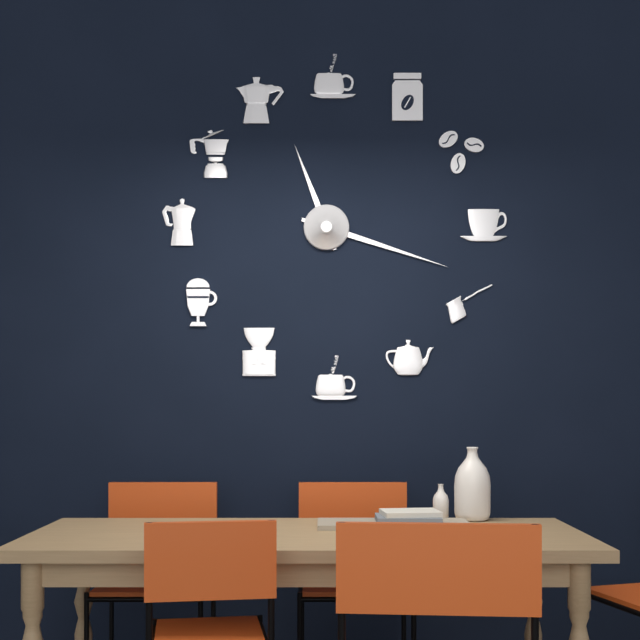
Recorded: 11.18
